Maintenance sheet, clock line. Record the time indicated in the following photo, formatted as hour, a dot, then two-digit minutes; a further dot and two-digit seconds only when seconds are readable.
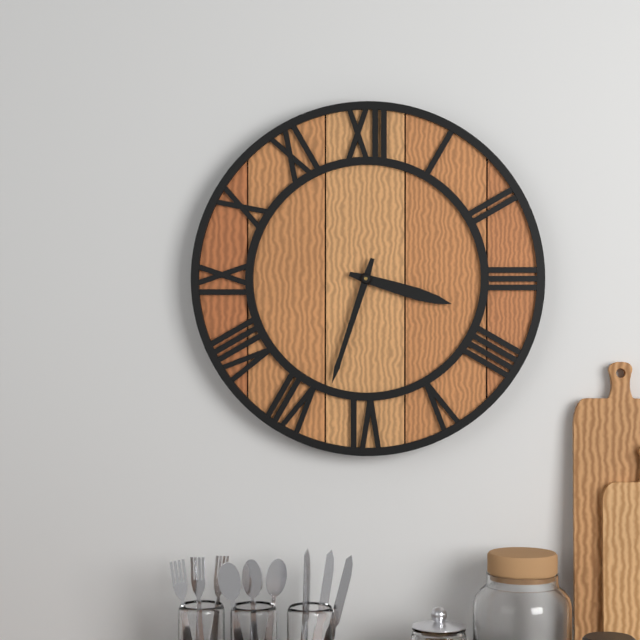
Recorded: 3.33
